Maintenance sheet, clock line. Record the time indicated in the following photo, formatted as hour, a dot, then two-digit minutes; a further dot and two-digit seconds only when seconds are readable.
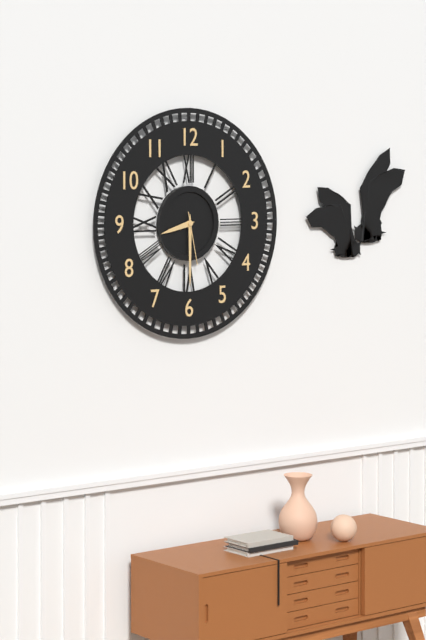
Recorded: 8.30.28
